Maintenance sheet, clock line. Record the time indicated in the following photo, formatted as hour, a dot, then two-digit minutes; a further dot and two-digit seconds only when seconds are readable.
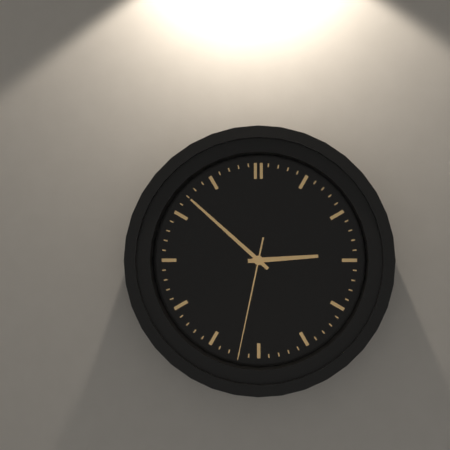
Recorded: 2.52.32
